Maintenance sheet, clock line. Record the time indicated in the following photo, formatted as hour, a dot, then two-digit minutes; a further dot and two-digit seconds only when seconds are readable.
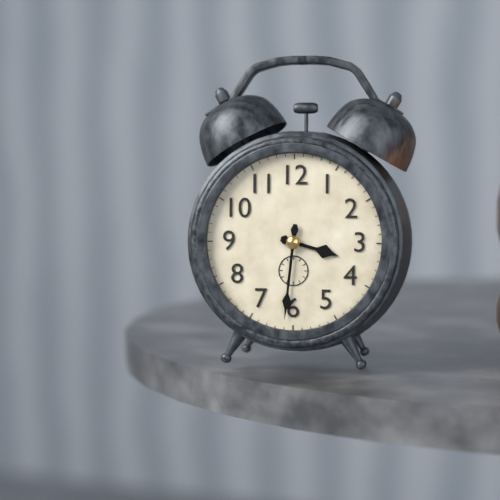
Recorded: 3.31
